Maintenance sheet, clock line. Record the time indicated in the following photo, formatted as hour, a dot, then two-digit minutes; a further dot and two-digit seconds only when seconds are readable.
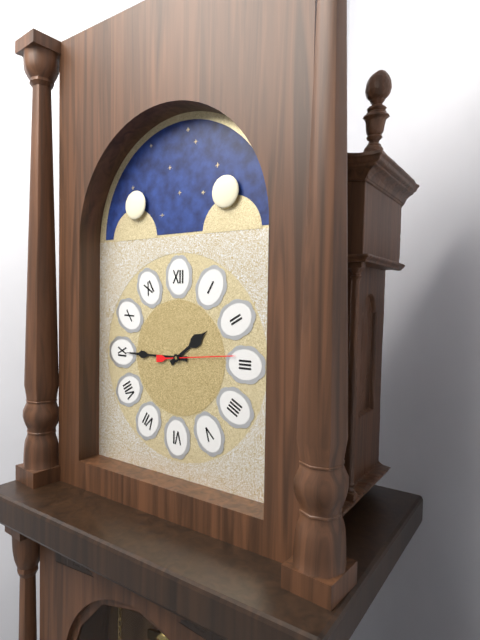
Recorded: 1.45.14
